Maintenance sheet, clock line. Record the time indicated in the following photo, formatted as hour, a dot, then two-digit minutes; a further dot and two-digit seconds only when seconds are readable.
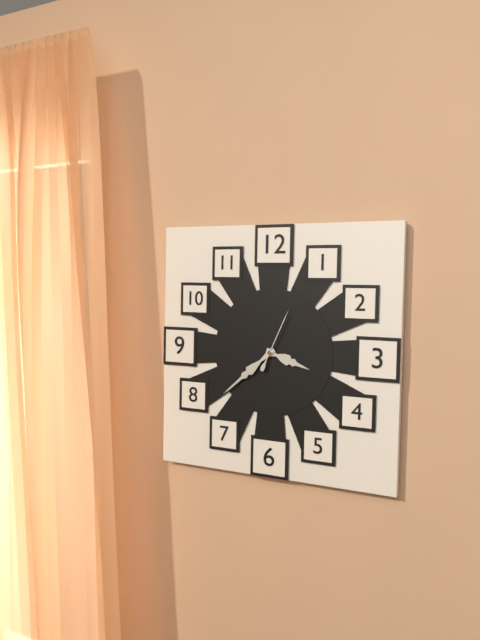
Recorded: 3.38.04
